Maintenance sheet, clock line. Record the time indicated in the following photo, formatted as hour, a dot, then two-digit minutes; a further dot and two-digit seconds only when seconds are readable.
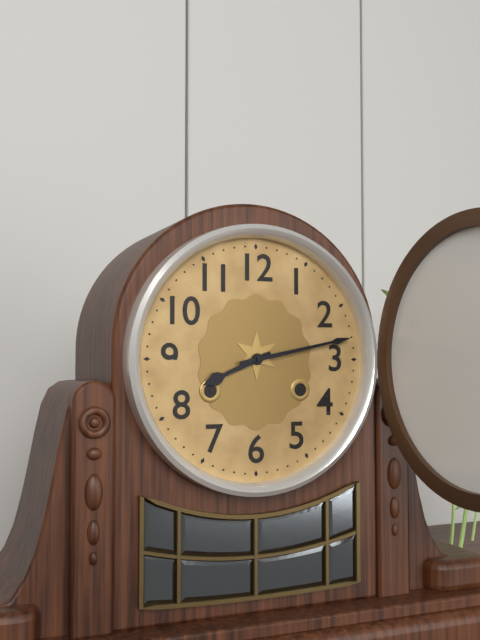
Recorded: 8.13
